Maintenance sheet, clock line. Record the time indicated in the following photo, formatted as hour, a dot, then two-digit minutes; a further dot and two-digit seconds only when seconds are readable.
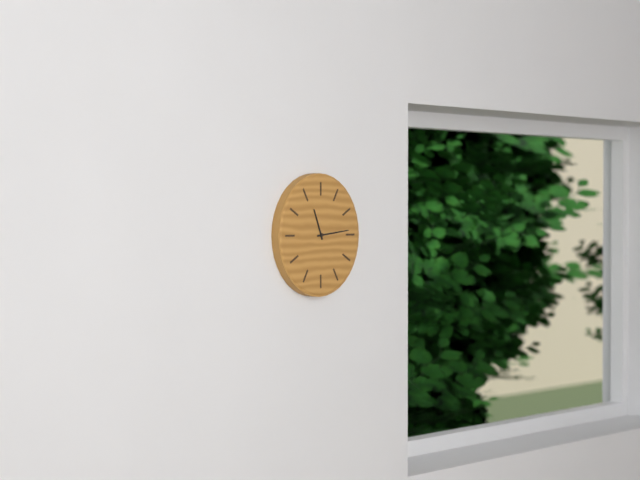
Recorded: 11.14
